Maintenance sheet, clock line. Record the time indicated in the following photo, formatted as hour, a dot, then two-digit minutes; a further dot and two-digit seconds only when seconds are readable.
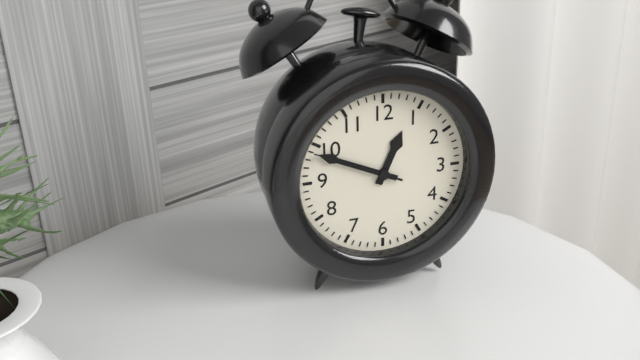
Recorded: 12.49.49
